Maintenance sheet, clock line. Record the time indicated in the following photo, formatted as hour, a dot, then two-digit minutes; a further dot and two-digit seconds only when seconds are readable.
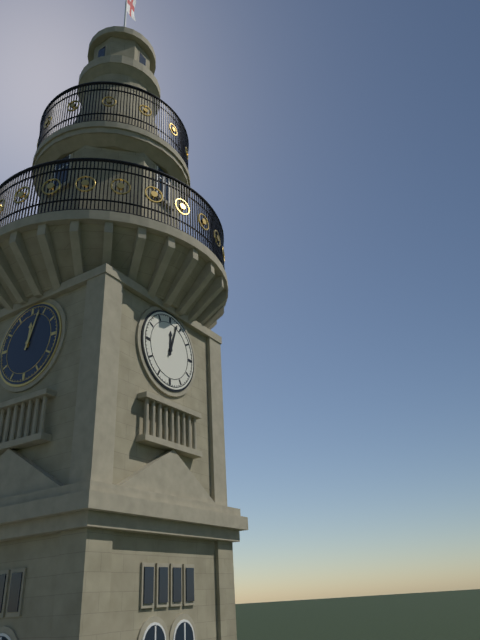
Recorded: 12.03
